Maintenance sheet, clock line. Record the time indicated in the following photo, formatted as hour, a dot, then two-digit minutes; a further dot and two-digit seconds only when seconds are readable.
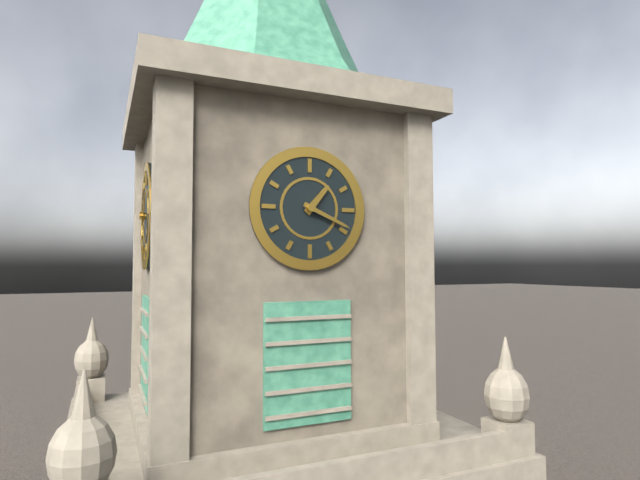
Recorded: 1.19
